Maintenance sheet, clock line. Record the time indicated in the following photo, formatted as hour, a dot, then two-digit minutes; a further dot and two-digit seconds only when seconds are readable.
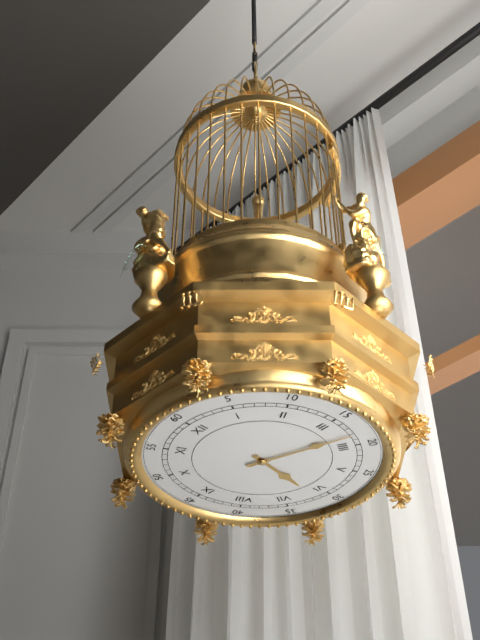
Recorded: 6.18
